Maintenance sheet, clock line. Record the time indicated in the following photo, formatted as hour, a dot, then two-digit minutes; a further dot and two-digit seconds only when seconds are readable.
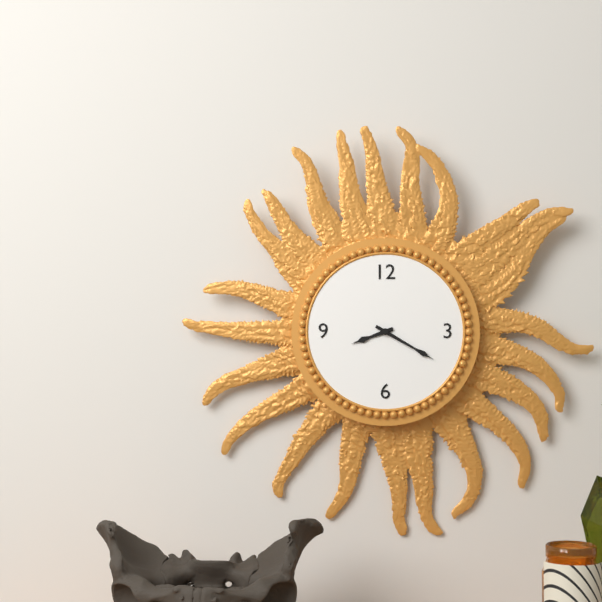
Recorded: 8.20
